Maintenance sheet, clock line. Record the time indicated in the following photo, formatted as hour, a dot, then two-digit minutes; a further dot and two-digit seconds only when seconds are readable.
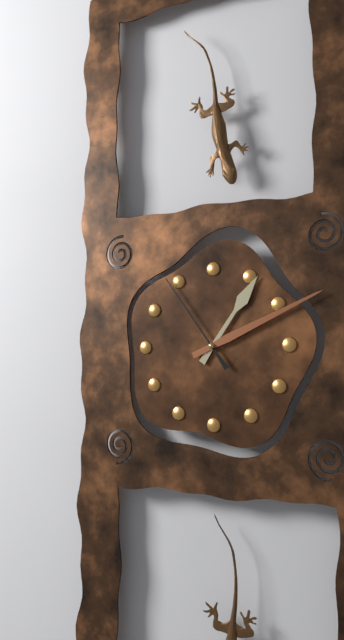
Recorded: 1.11.54
